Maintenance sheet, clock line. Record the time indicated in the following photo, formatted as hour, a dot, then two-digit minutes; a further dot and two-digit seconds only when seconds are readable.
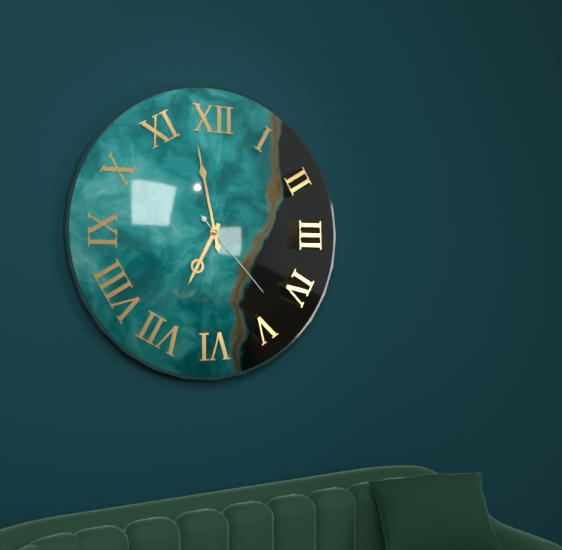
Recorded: 6.58.23
